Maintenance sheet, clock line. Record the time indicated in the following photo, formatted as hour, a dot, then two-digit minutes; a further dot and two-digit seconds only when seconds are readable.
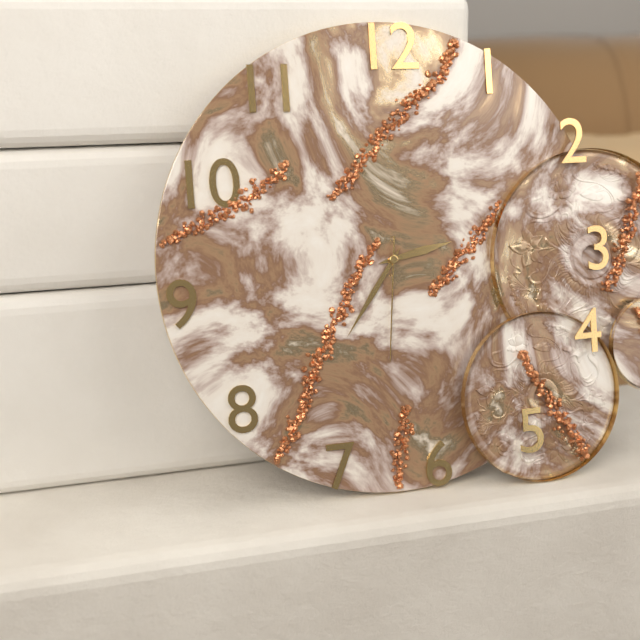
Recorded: 2.36.31
